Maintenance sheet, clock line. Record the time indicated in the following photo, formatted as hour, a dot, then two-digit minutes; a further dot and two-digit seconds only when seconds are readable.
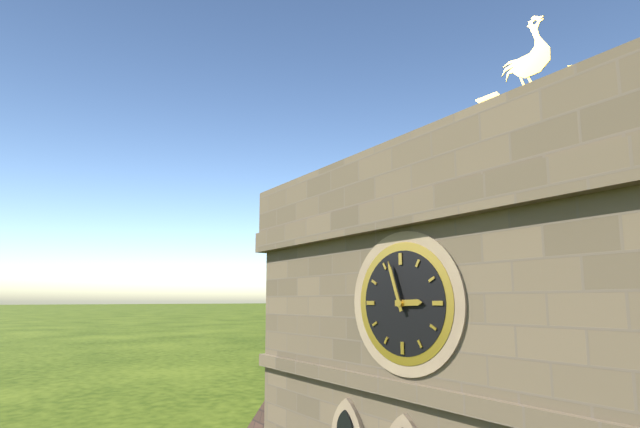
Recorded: 2.57
